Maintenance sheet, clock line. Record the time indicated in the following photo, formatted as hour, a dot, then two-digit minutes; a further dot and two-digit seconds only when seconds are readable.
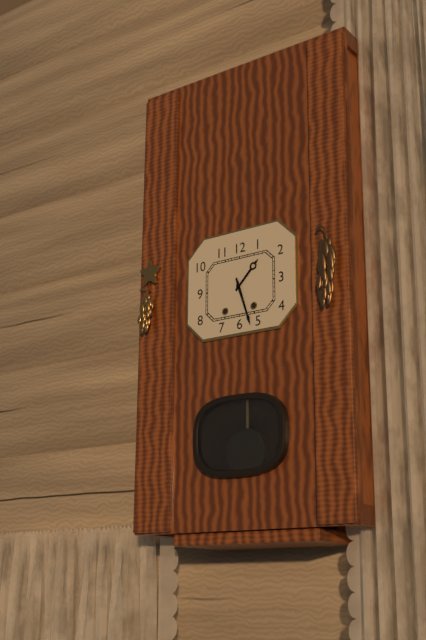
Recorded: 1.27
